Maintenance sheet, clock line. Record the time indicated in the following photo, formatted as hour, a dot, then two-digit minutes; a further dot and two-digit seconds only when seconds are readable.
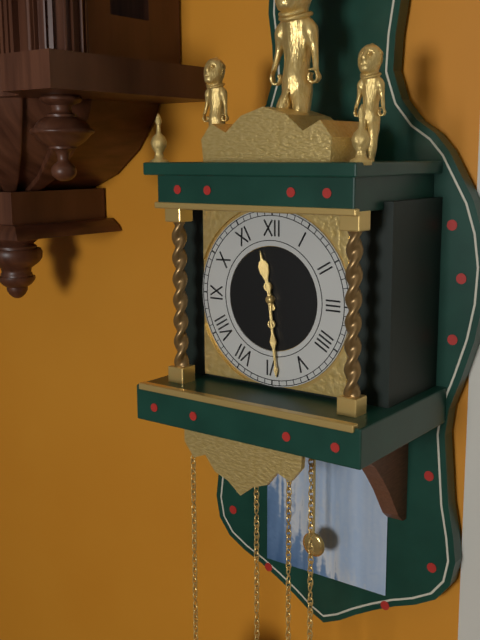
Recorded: 11.29
